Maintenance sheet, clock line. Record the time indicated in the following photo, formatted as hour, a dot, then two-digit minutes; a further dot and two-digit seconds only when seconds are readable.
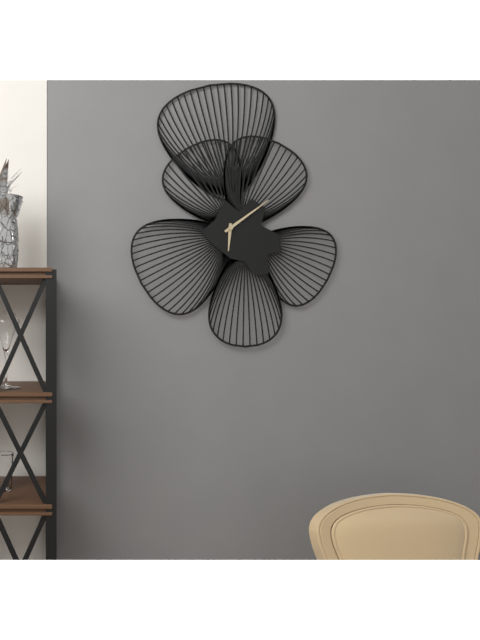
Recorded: 6.09
